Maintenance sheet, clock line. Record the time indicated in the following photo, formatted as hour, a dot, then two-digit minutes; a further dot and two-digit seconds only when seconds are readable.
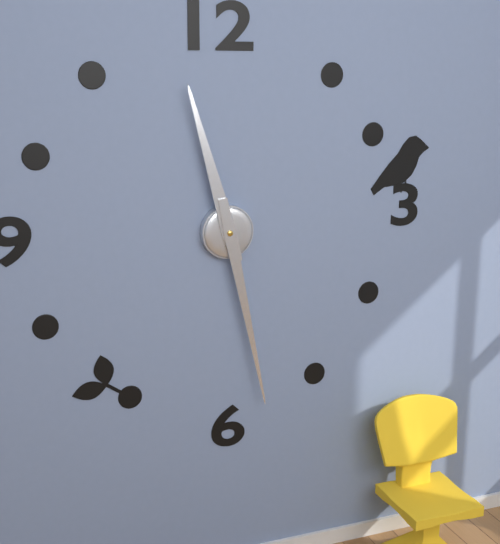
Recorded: 11.28
